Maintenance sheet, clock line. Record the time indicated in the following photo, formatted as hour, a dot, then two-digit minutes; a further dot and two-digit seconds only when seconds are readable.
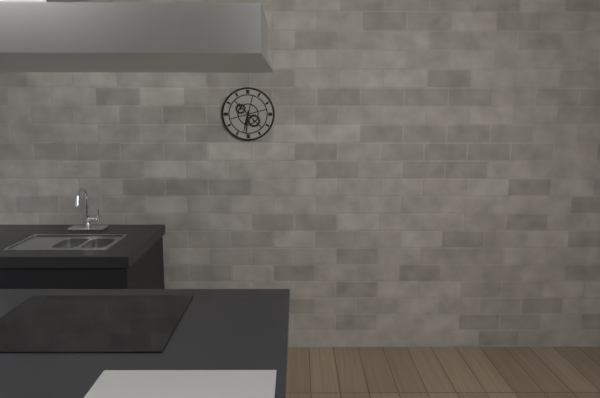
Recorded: 6.31
